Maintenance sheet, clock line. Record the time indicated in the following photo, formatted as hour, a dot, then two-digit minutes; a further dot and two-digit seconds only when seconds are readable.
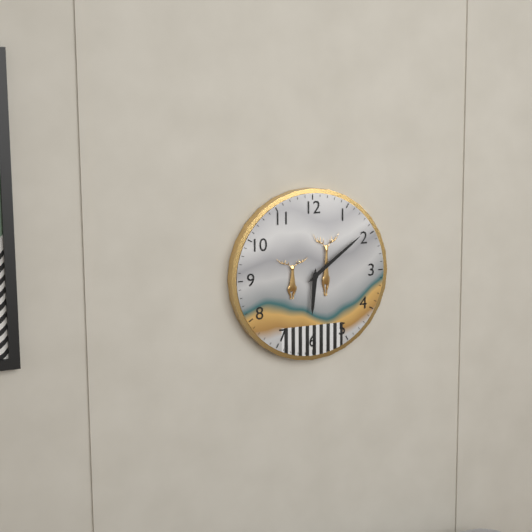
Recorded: 6.09
